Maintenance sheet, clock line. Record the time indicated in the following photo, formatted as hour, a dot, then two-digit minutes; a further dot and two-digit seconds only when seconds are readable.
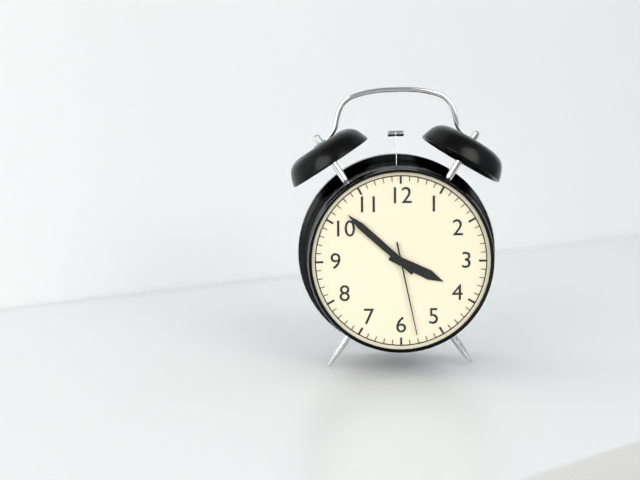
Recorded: 3.52.28
